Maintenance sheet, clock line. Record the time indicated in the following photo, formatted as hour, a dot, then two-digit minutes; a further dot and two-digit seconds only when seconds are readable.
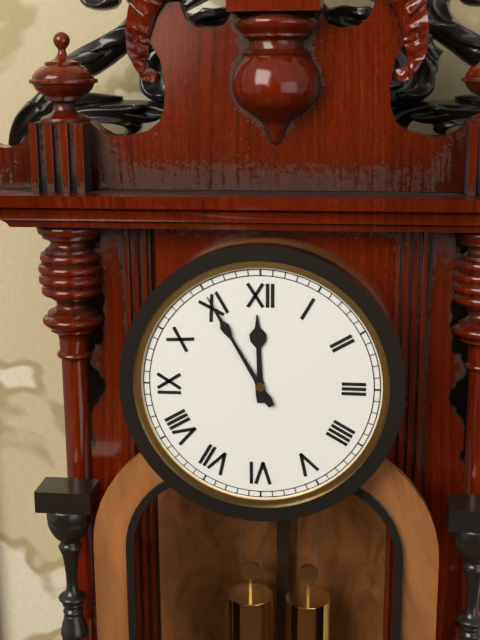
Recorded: 11.55
